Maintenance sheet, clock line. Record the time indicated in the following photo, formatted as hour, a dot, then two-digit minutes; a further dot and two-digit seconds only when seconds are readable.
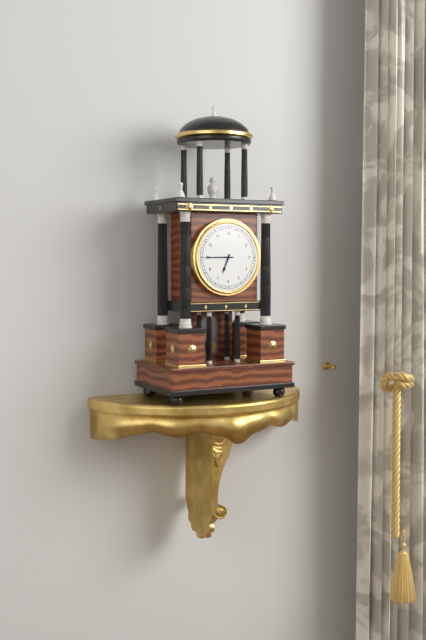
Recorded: 6.45
